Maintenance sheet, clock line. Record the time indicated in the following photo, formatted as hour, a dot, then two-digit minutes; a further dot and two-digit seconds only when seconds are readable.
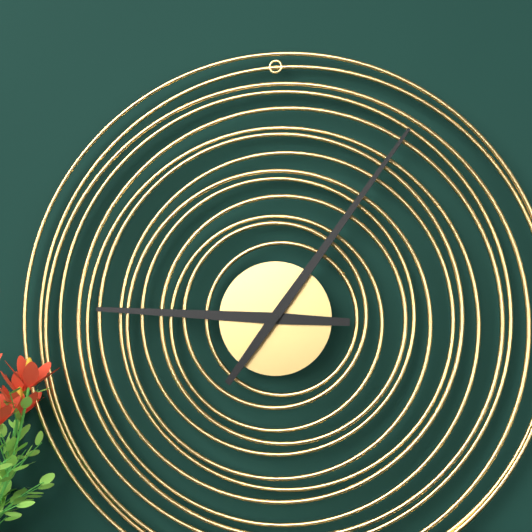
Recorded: 9.06
